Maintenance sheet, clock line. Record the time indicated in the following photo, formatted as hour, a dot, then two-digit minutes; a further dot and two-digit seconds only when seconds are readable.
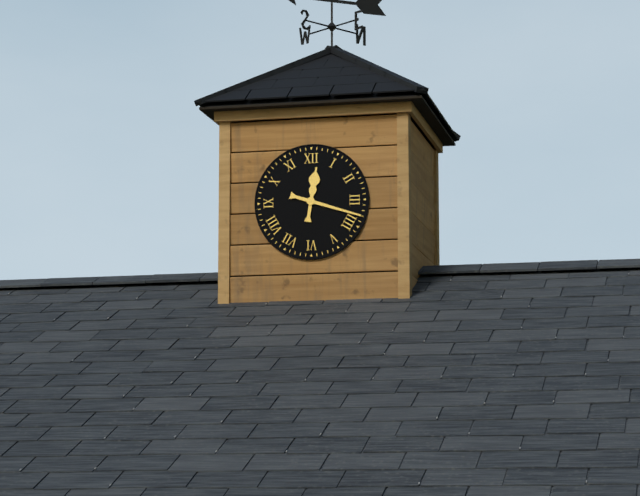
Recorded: 12.18
